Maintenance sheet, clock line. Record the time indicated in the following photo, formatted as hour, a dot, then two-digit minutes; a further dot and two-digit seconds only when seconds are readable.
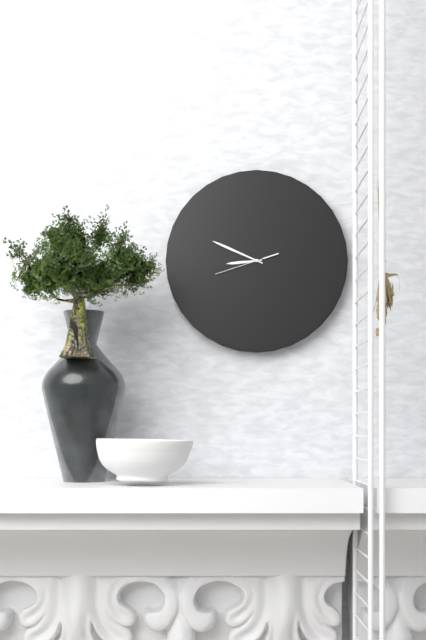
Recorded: 8.49.42
